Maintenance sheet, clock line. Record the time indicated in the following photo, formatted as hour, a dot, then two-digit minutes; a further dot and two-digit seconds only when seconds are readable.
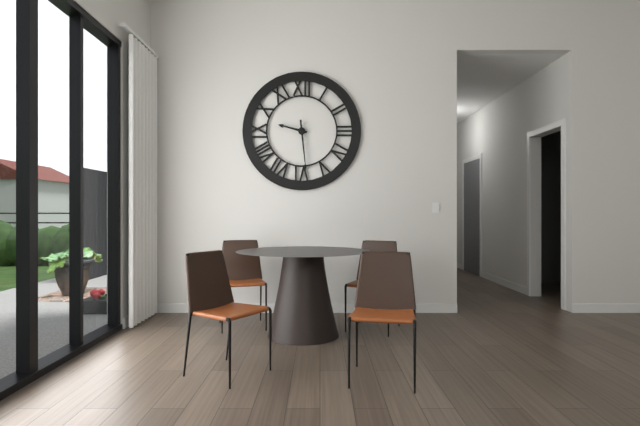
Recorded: 9.29
